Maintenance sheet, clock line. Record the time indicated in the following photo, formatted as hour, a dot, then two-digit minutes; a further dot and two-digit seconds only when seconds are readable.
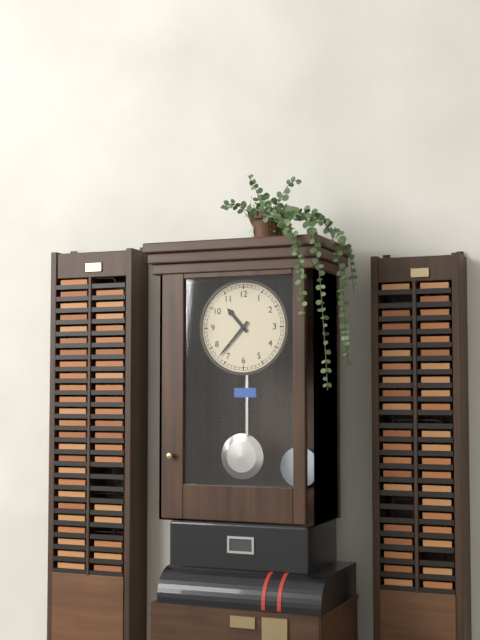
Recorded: 10.37
